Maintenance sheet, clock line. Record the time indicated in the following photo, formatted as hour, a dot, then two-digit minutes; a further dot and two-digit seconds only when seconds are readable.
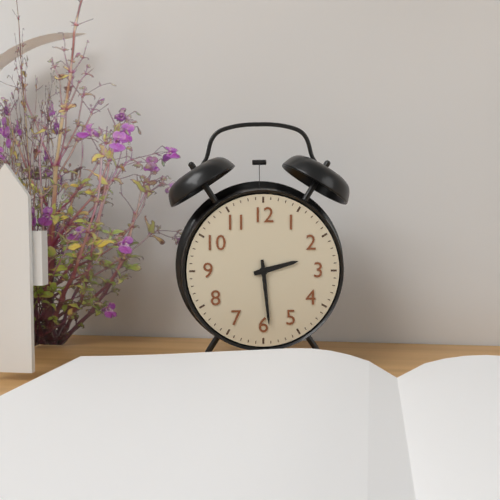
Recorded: 2.29
